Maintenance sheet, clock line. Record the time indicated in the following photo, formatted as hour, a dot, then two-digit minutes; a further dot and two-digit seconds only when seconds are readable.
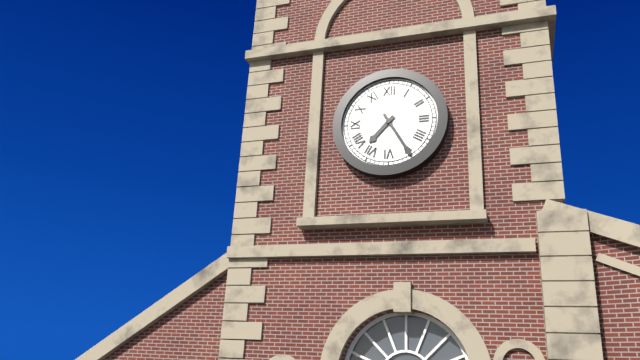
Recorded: 7.25
